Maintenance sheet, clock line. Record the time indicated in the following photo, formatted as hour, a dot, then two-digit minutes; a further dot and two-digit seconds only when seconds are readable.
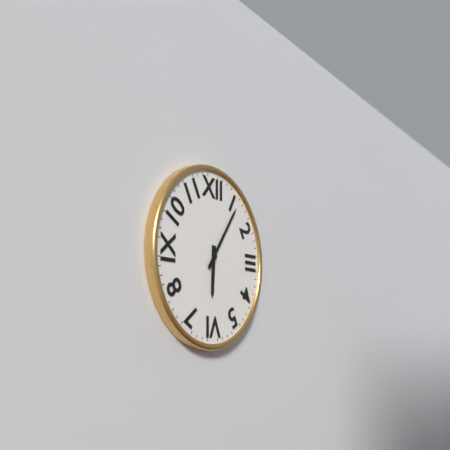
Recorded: 6.06
